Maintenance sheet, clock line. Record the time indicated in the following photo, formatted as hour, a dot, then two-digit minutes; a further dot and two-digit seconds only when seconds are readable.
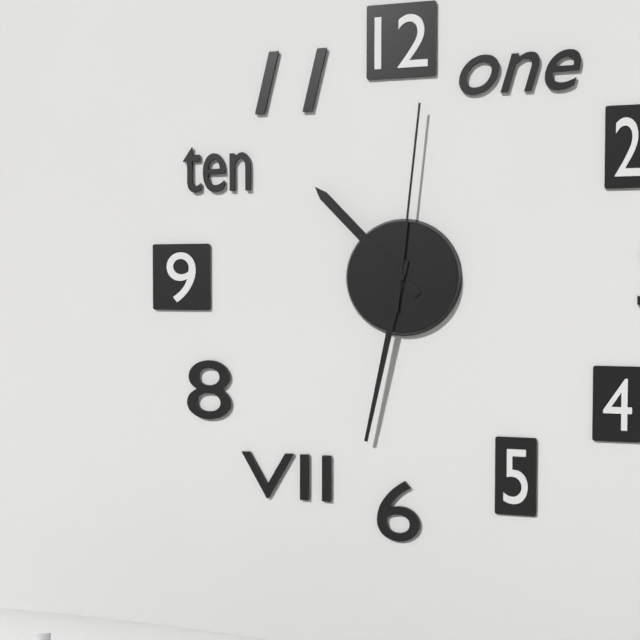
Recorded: 10.32.01
